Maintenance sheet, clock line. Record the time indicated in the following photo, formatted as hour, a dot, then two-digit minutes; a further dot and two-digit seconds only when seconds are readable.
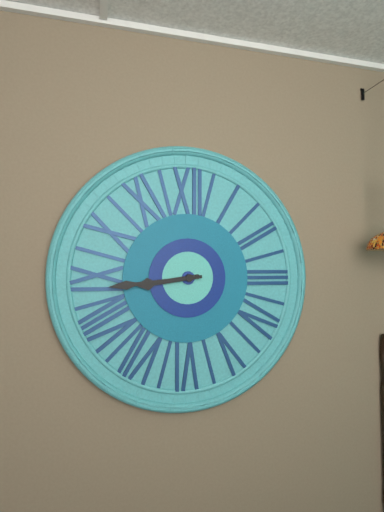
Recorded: 8.44
